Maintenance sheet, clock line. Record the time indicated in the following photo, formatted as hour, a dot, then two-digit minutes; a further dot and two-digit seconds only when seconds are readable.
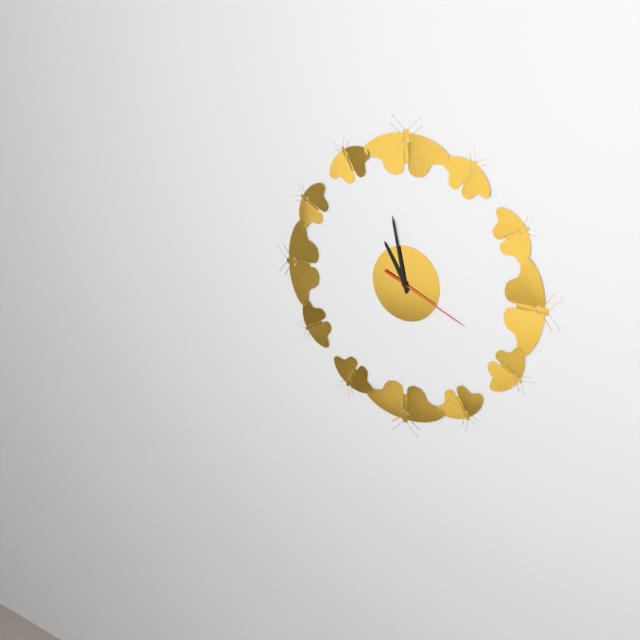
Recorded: 10.58.19
